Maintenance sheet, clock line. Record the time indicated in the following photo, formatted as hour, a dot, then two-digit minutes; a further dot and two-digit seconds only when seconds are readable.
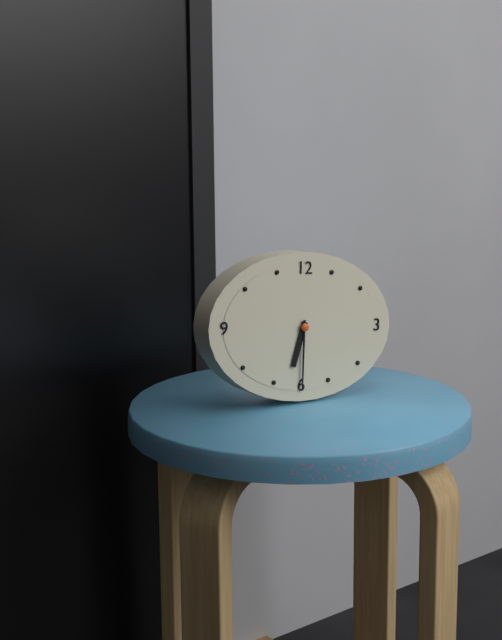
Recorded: 6.30
